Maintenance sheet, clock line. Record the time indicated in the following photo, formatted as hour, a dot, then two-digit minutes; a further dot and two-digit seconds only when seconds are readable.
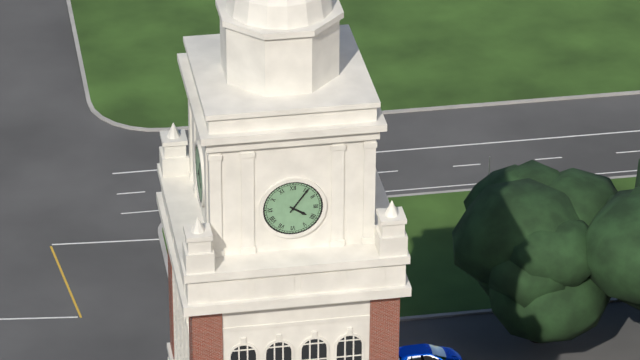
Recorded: 4.06
